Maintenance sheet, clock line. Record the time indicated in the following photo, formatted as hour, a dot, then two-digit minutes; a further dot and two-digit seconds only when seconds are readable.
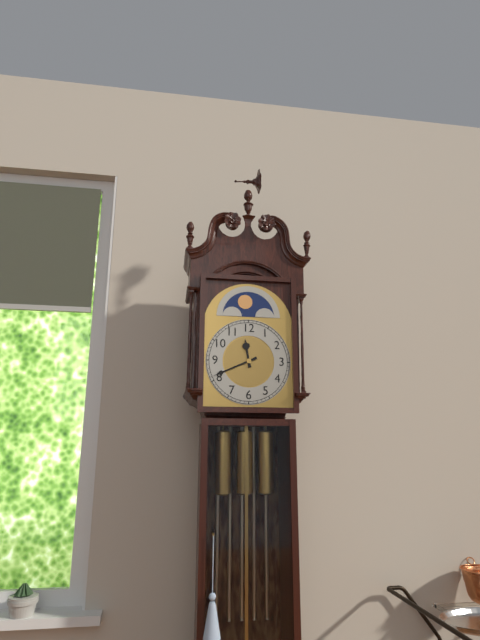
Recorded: 11.41
